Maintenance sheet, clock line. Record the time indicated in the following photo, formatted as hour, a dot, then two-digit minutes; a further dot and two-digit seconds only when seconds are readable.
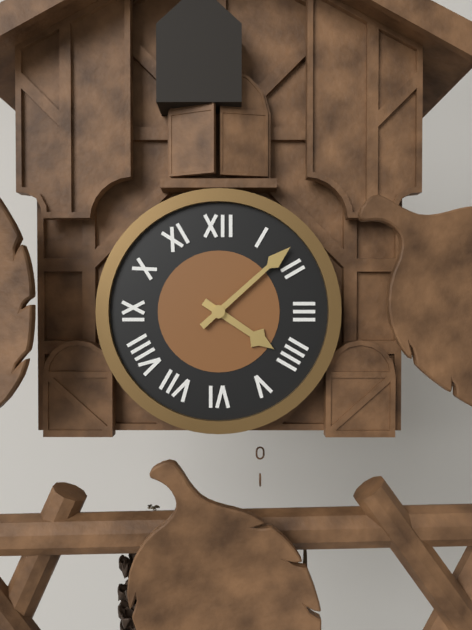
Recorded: 4.08
